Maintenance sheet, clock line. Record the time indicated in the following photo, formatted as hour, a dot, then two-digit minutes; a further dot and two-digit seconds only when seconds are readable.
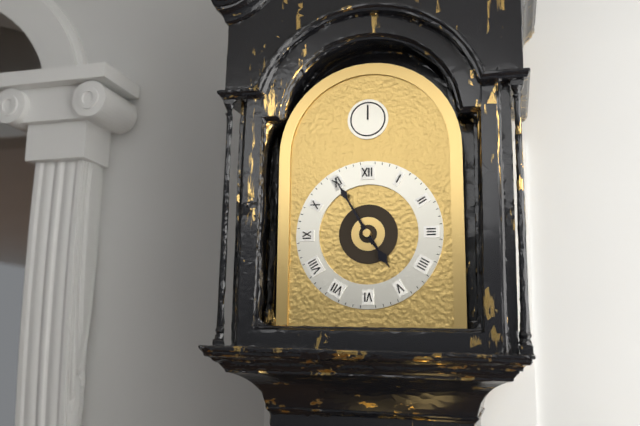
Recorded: 4.55
